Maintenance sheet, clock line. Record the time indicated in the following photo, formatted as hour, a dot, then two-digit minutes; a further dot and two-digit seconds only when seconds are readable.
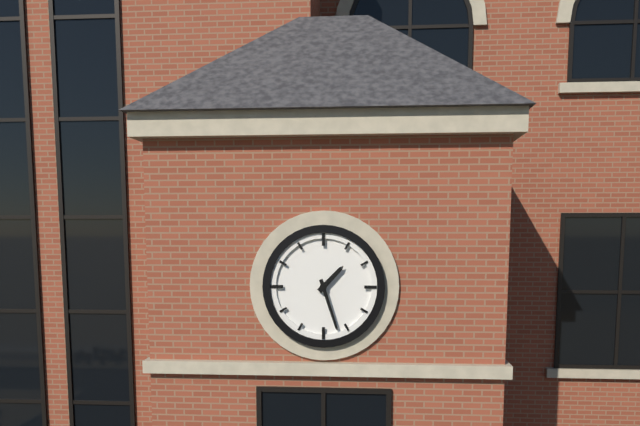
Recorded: 1.27
